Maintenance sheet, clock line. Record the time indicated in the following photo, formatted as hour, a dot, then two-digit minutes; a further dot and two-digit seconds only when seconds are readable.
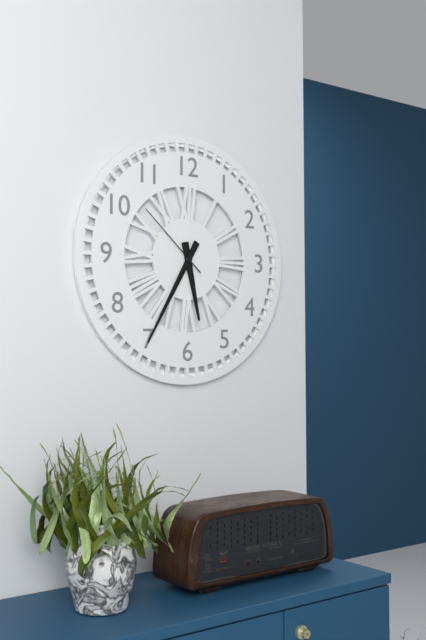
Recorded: 5.35.52
